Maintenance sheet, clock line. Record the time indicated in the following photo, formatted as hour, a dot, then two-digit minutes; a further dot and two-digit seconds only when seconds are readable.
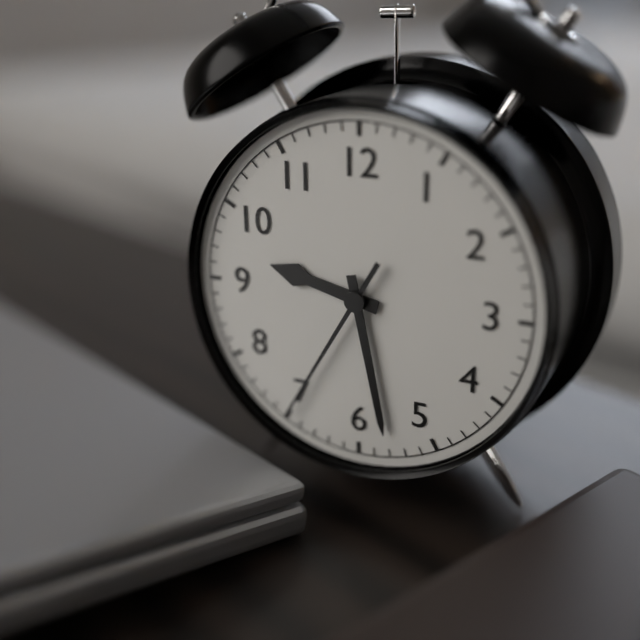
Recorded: 9.28.35
